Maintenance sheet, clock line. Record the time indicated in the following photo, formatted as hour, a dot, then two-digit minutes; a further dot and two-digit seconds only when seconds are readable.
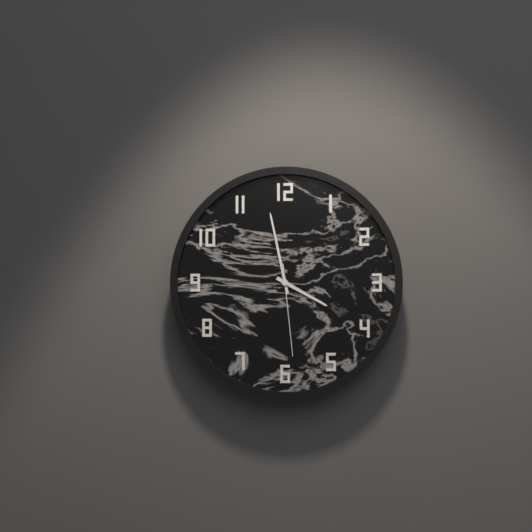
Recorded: 3.58.29
